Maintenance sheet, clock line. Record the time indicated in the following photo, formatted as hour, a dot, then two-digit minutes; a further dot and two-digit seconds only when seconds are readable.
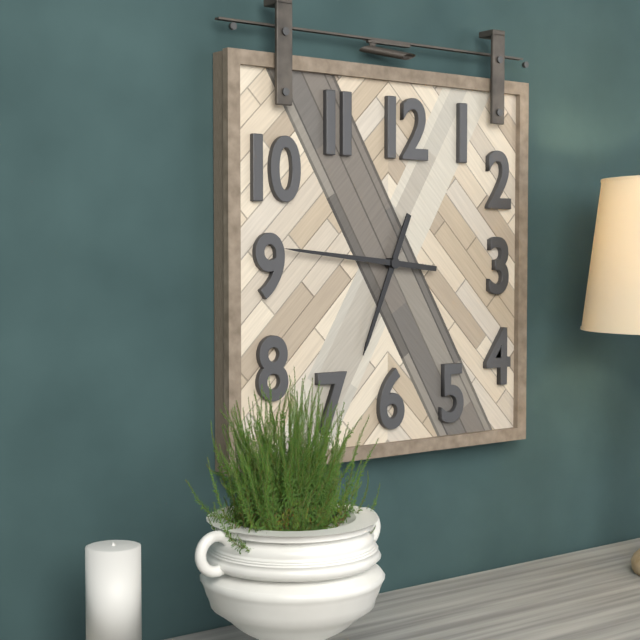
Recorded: 6.46
